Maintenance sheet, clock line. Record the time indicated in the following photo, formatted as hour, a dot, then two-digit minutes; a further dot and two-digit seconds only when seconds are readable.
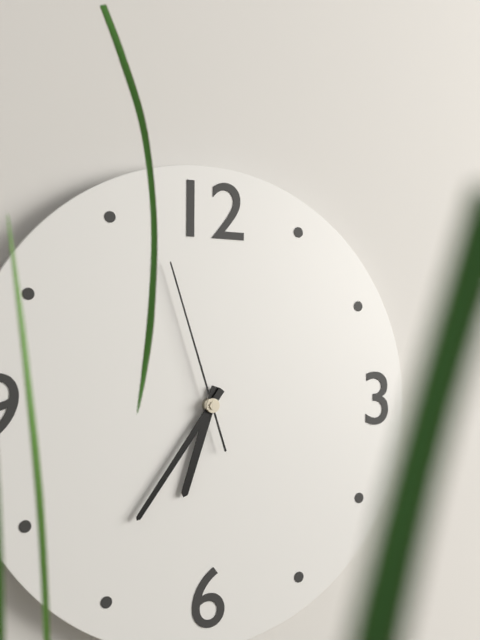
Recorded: 6.36.57
